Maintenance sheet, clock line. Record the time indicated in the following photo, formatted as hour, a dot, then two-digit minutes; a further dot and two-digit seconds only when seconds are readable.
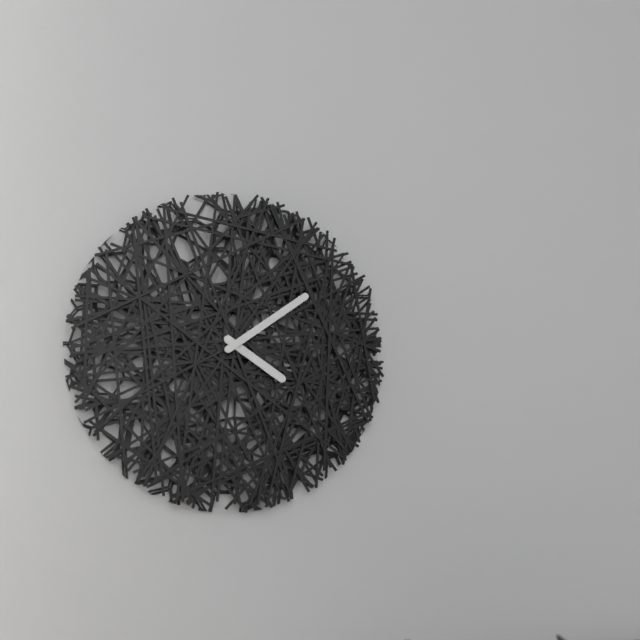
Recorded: 4.09
